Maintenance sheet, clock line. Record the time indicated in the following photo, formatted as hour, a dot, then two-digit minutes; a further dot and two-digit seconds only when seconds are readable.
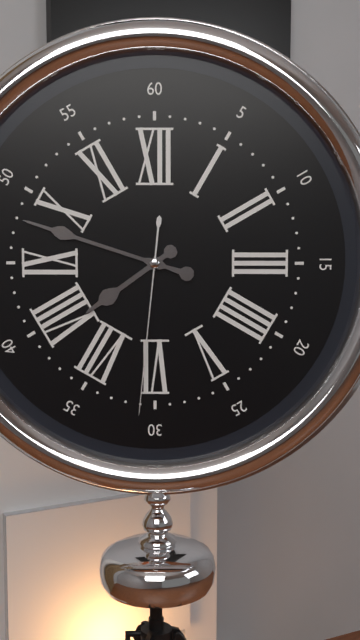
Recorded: 7.48.31
